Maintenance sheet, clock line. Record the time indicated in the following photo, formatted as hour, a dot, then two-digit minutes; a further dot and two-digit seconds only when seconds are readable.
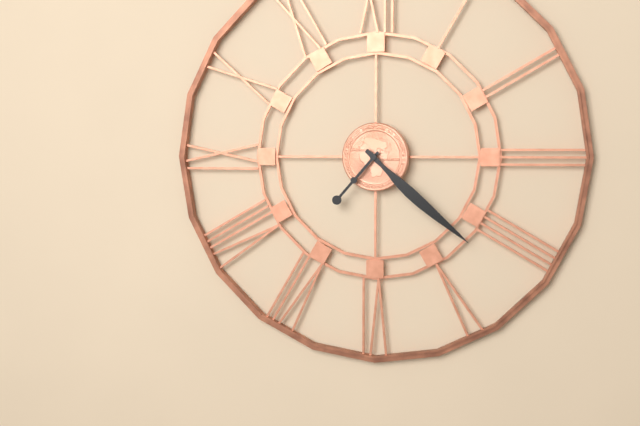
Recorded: 7.22
